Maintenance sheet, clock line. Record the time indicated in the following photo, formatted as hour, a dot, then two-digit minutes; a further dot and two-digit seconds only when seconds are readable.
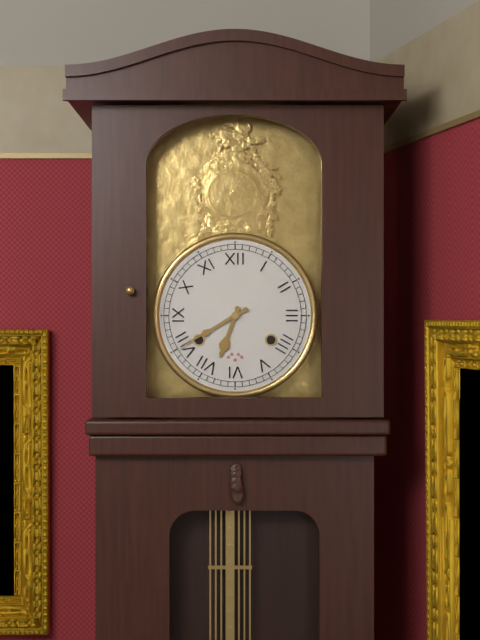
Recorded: 6.40
